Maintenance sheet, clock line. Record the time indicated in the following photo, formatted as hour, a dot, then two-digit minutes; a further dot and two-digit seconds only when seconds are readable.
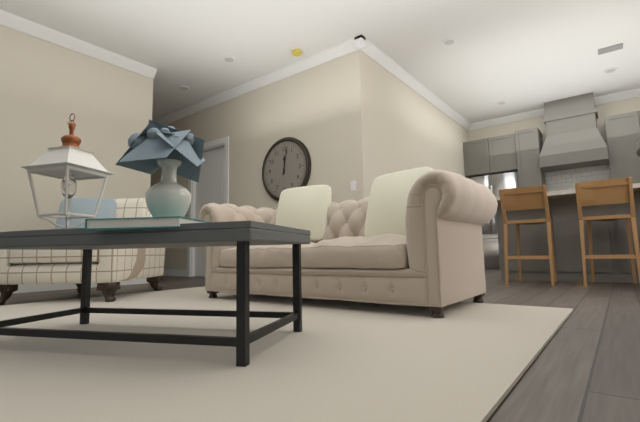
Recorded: 12.02
